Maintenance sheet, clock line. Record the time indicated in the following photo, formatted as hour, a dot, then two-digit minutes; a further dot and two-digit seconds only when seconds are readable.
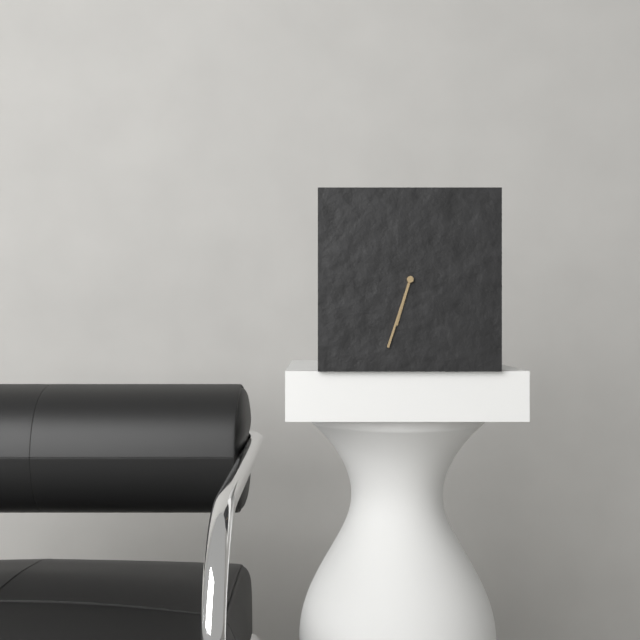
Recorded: 6.33
